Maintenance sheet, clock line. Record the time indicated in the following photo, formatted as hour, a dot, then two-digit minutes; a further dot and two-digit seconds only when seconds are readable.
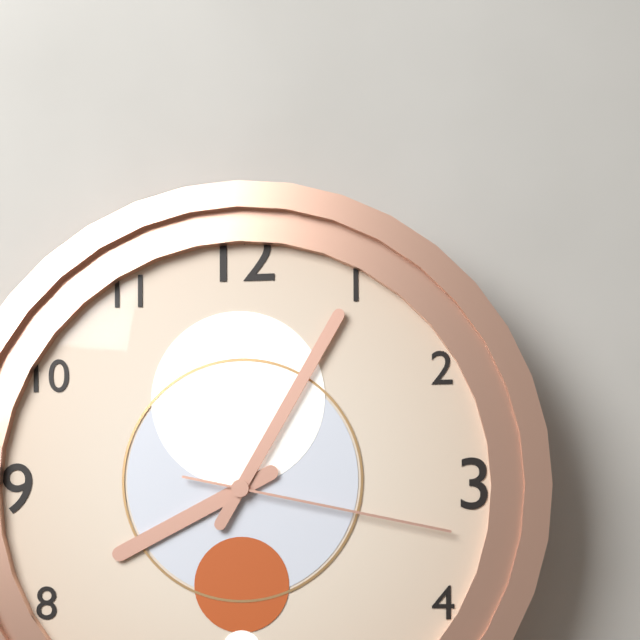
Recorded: 8.05.17
